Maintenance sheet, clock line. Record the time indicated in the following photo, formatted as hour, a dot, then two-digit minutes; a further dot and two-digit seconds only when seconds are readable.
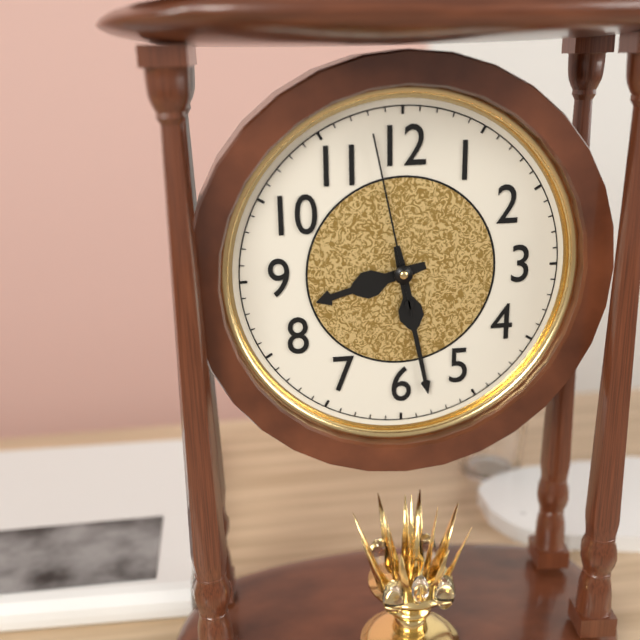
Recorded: 8.28.58
